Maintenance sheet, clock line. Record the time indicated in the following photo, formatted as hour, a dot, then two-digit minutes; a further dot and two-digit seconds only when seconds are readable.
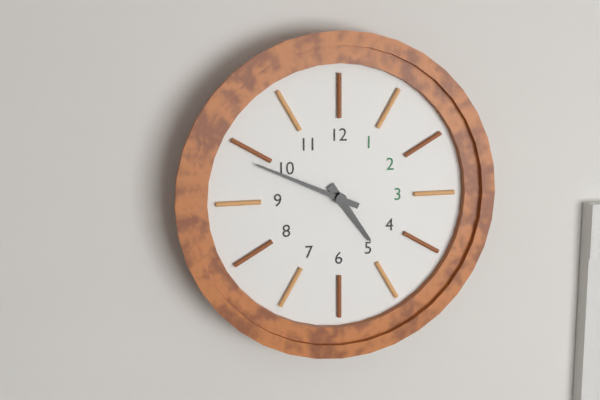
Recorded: 4.49
